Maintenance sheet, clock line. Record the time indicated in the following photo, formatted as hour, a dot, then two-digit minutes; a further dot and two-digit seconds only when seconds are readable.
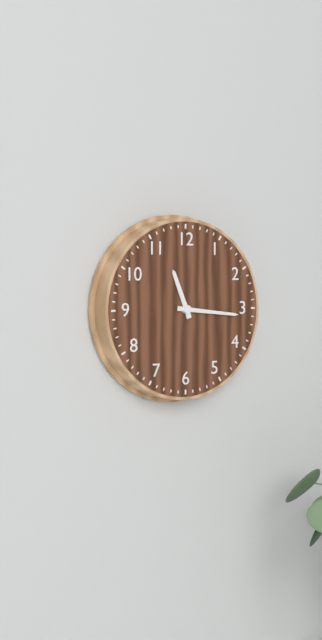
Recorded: 11.16
